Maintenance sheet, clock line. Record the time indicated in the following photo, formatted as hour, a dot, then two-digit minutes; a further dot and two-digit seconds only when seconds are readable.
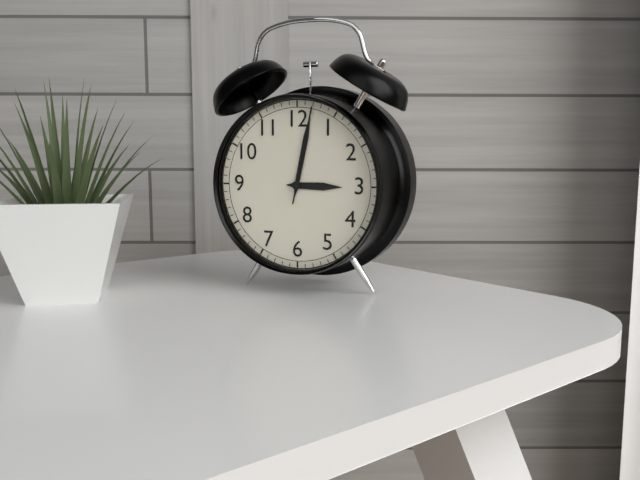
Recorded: 3.02.02
